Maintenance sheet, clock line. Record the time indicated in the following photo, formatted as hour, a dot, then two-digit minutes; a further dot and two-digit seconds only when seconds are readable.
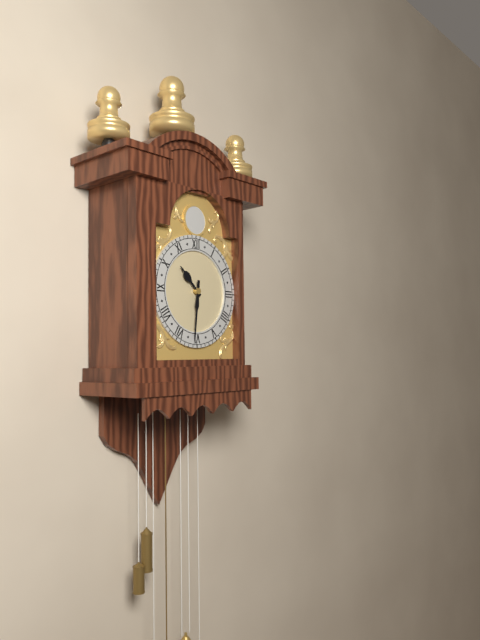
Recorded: 10.31
